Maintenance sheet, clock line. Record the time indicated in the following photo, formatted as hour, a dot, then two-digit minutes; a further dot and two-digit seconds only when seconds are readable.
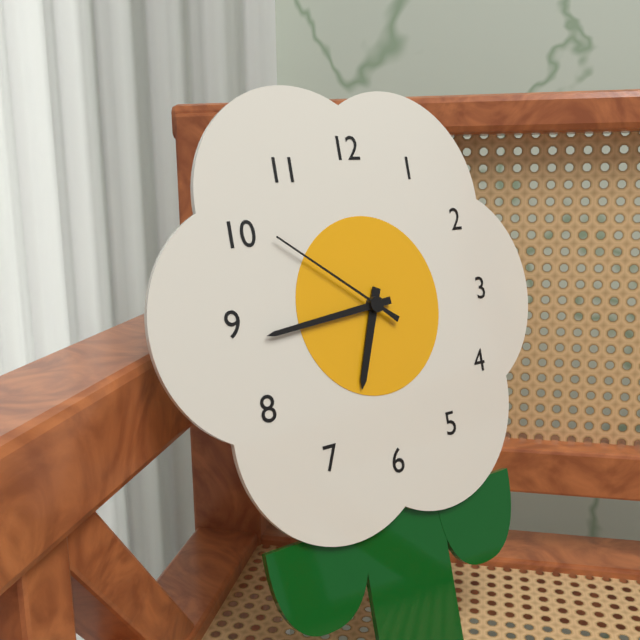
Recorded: 6.44.51
